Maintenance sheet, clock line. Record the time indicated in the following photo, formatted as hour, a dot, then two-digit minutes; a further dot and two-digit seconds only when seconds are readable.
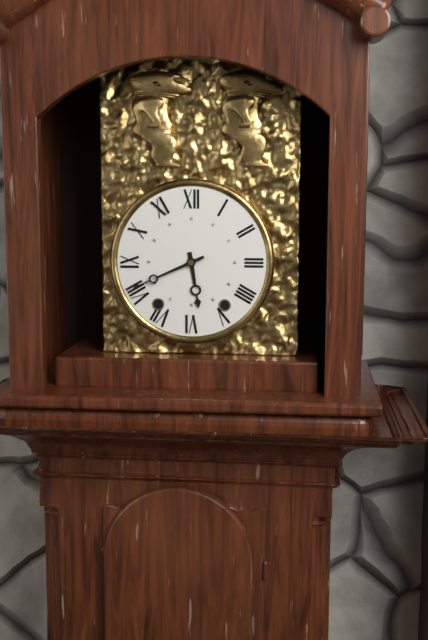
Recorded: 5.41
